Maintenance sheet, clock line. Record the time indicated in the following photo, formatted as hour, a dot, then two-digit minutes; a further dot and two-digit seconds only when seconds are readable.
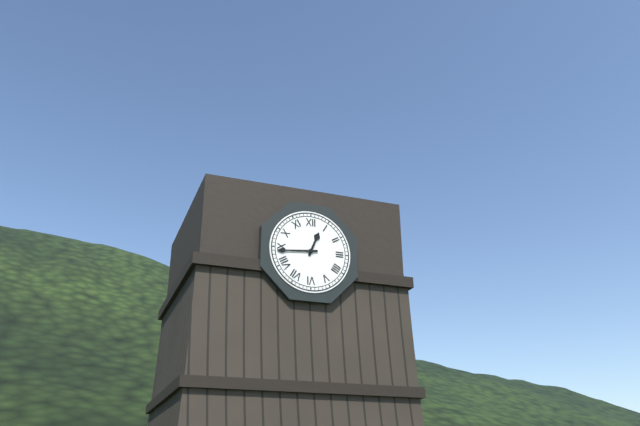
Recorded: 12.44
